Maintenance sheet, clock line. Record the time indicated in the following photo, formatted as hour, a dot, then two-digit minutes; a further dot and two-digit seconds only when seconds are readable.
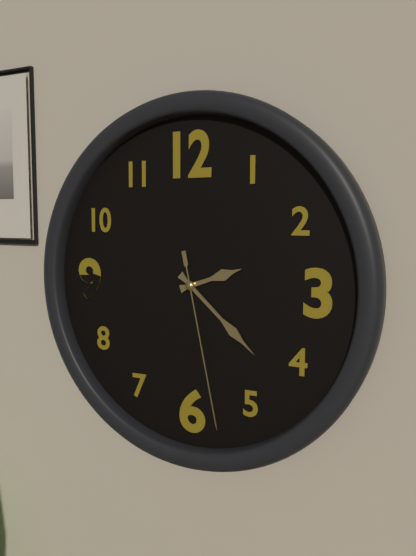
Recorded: 2.22.28
